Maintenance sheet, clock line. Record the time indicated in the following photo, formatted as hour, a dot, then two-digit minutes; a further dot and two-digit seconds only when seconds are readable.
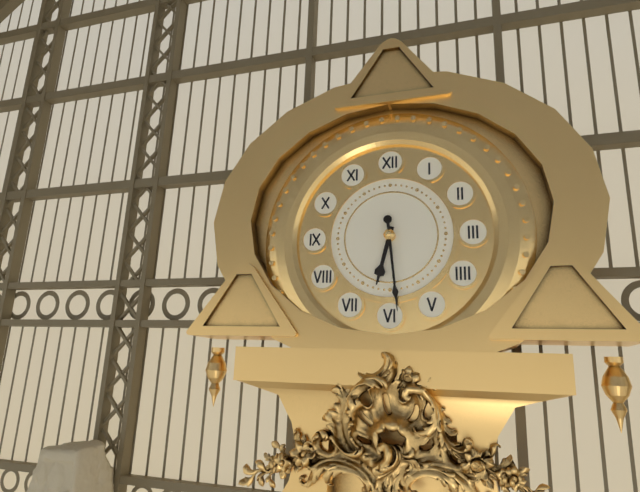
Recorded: 6.29
